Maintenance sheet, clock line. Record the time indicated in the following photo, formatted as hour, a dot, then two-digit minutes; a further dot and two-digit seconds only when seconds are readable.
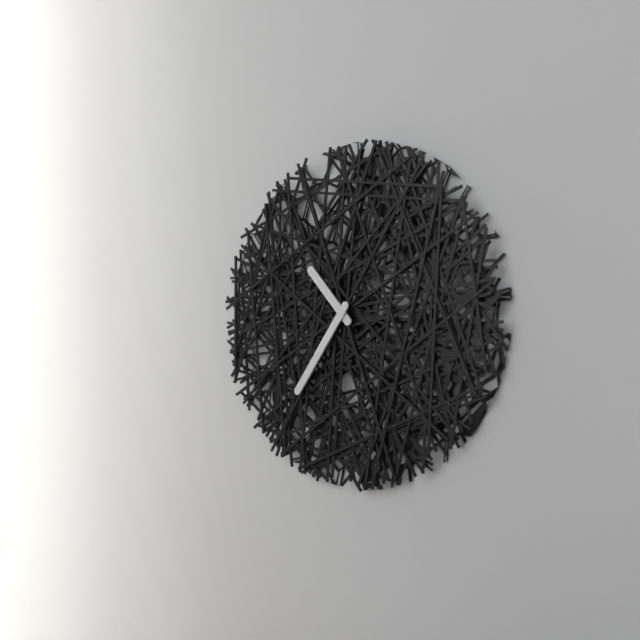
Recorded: 10.36
